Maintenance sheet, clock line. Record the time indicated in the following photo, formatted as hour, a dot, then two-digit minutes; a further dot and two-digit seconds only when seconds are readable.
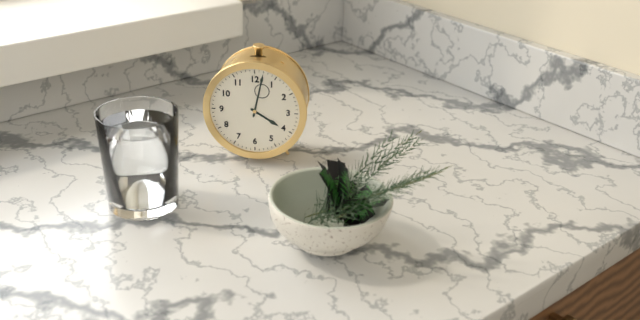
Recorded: 4.02
